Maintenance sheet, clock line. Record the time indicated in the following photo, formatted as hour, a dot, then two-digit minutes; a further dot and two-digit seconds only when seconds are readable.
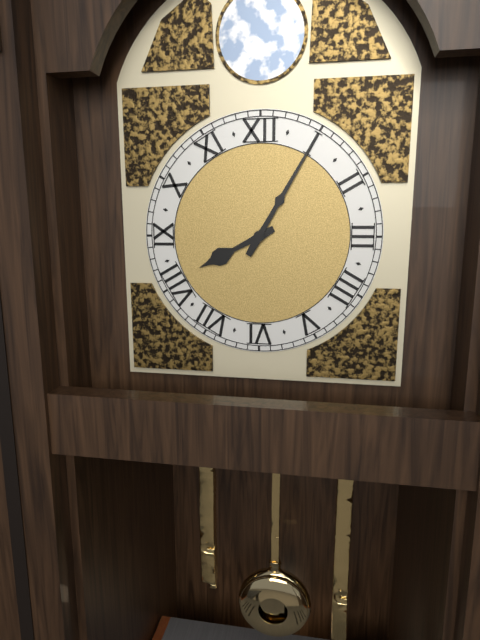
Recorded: 8.05
